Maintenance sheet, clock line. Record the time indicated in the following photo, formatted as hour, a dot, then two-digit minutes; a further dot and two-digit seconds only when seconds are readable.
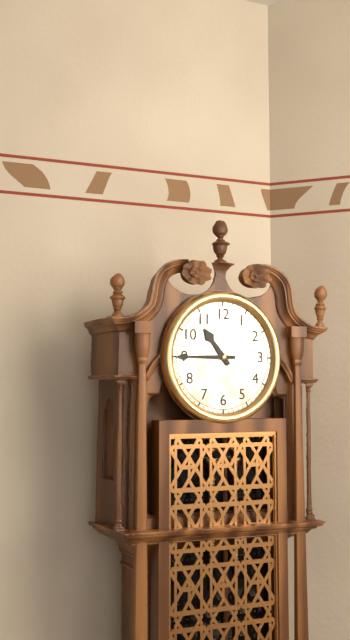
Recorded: 10.45
